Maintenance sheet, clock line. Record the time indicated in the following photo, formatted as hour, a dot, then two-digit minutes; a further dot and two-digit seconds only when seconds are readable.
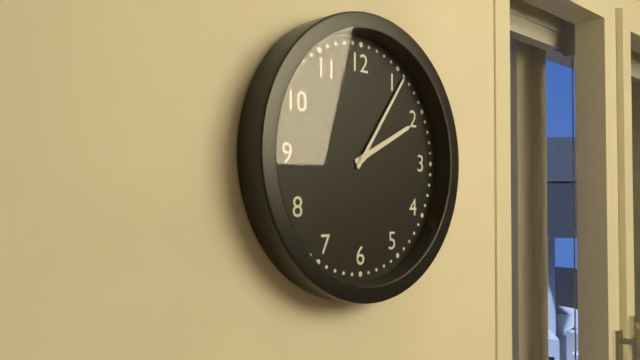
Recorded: 2.06
